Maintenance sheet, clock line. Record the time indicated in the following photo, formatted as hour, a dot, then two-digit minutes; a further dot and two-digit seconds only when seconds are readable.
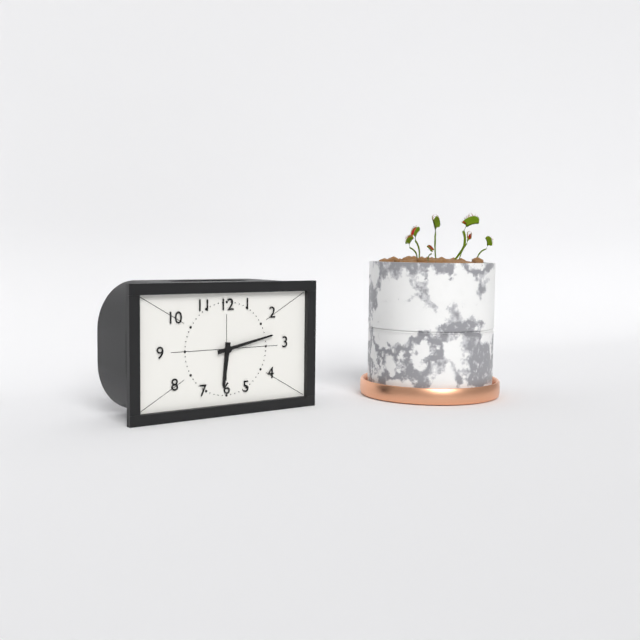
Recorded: 6.13
